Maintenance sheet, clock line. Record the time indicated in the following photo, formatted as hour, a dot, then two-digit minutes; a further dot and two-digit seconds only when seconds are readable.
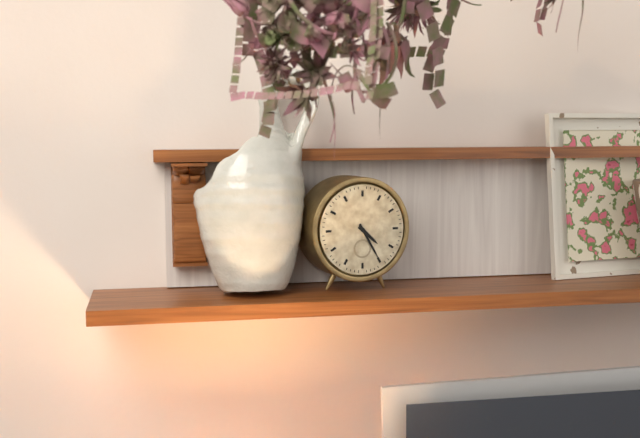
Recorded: 4.25
